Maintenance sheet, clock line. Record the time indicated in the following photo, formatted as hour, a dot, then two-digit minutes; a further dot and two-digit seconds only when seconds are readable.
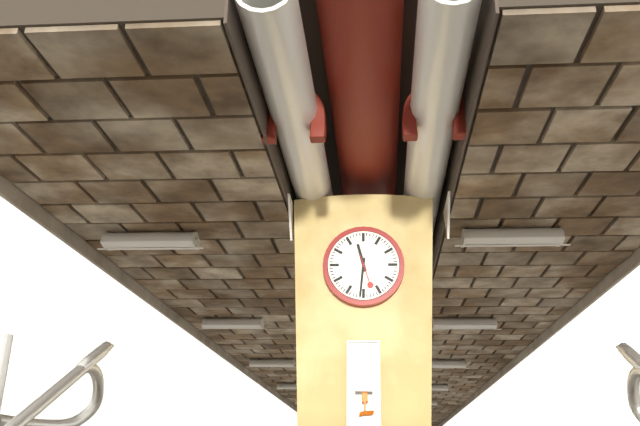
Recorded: 11.31
